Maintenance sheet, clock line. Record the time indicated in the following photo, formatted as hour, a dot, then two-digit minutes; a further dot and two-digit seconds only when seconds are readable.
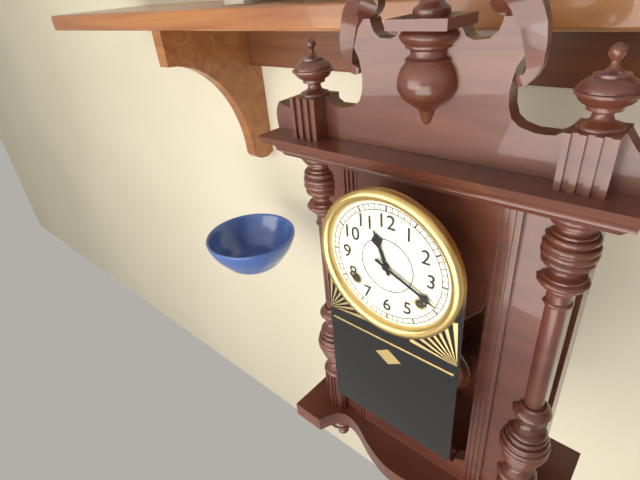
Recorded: 11.19
